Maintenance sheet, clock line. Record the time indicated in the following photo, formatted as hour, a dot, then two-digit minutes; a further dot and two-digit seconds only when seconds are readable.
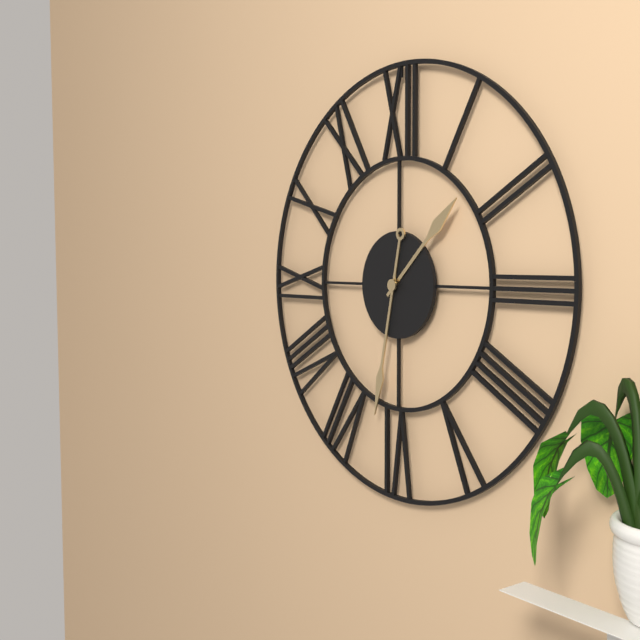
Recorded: 1.32
